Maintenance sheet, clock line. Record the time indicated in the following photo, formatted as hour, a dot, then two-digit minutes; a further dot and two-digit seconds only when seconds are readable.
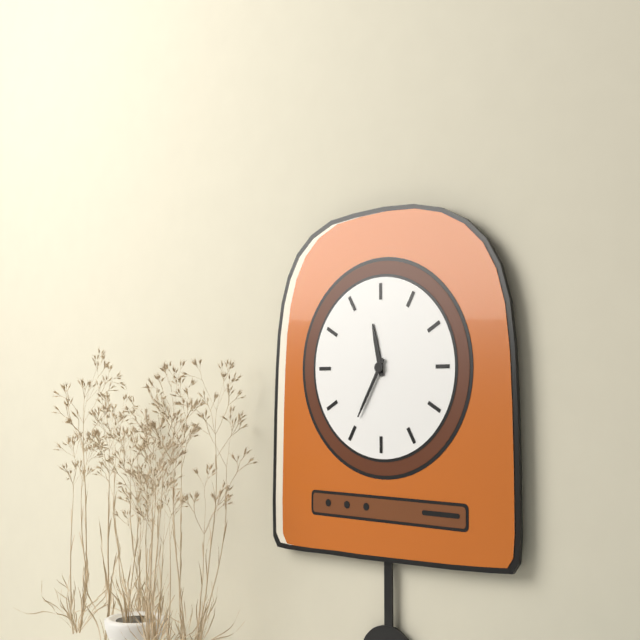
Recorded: 11.35
